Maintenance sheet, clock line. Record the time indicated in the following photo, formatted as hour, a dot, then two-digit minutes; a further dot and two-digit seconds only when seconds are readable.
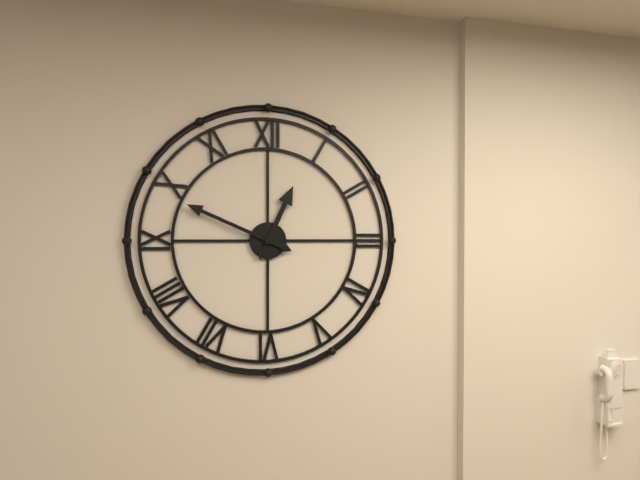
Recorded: 12.49
